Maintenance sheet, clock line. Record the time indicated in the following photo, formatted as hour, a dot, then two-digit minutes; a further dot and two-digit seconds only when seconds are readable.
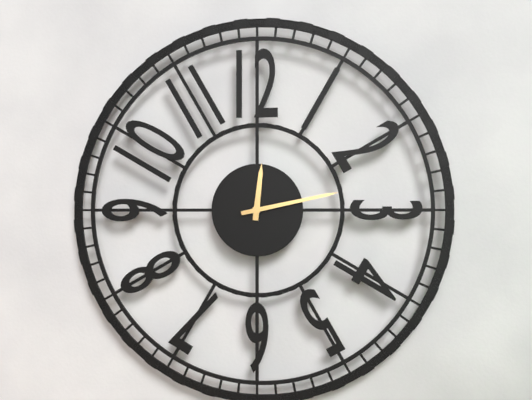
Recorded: 12.13
